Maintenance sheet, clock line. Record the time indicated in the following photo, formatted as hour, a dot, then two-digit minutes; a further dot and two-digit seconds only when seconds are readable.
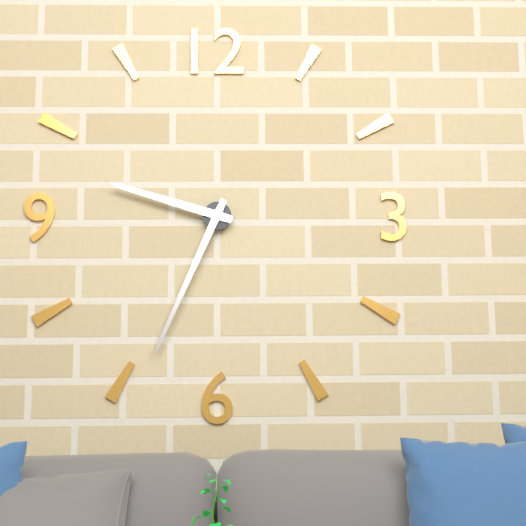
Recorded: 9.34
